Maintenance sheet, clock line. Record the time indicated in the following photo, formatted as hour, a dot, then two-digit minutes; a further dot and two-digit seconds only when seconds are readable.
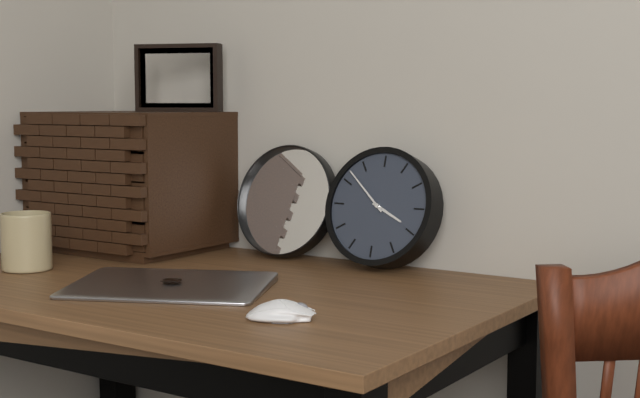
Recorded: 3.52
